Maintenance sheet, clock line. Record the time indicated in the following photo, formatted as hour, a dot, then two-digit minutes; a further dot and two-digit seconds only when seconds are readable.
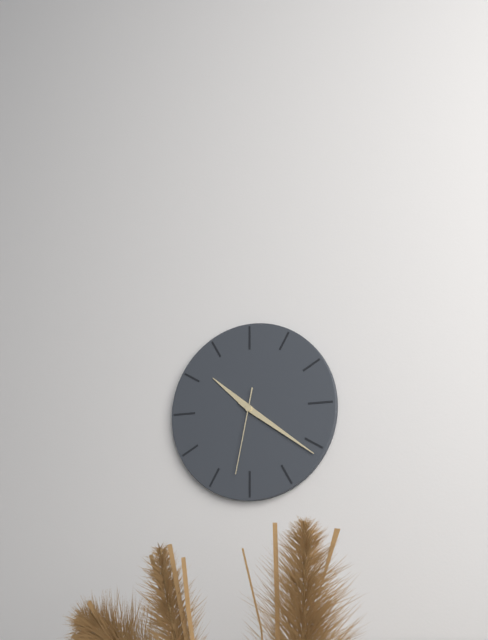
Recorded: 10.21.32
